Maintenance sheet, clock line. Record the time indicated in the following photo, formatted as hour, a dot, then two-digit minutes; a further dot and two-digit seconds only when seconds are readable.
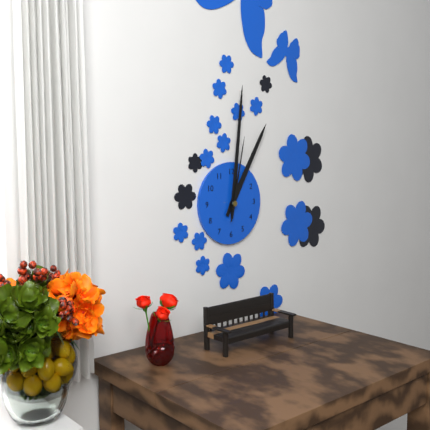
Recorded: 1.01.02
